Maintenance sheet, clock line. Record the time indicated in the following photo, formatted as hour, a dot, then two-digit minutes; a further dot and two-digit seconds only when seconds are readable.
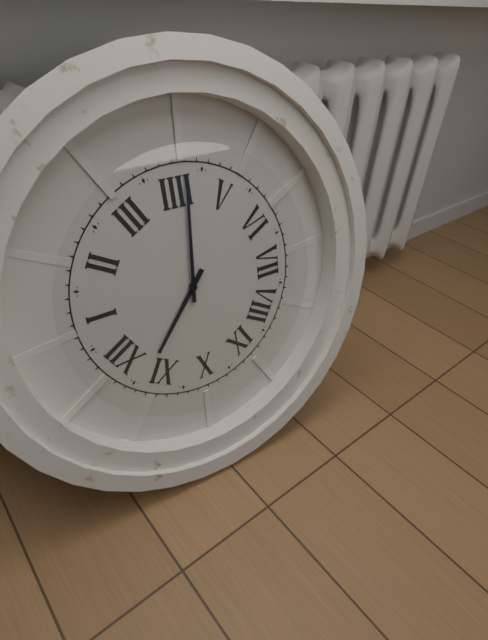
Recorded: 11.21
